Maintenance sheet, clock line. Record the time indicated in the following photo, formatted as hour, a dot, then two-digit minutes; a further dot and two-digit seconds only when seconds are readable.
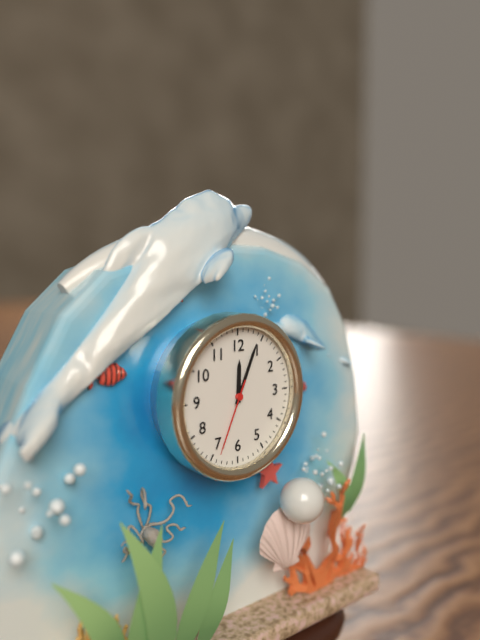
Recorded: 12.04.34
